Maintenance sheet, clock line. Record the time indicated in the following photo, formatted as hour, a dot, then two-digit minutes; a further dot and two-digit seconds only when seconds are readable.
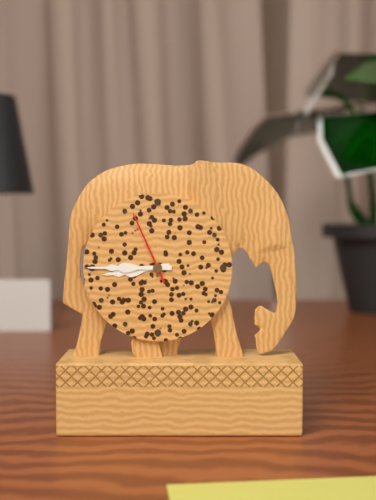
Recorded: 8.45.56
